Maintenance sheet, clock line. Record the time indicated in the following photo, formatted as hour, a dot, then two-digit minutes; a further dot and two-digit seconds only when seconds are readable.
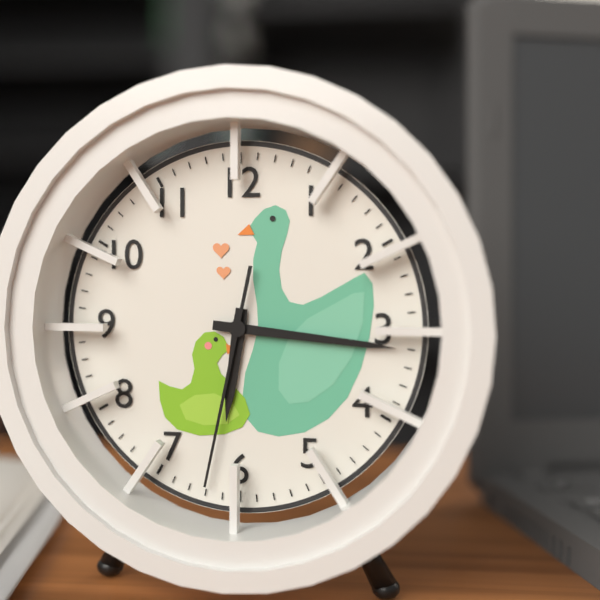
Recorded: 6.16.32
